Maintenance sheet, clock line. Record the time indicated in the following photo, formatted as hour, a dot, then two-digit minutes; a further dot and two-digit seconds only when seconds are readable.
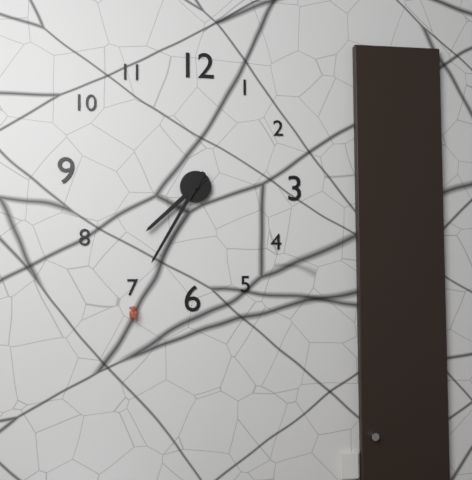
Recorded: 7.35
